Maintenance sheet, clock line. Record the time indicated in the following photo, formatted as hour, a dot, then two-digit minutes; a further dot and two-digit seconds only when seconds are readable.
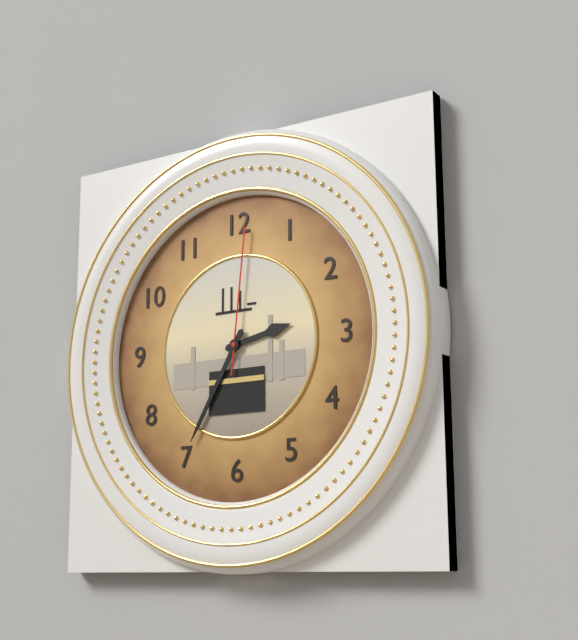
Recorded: 2.35.01
